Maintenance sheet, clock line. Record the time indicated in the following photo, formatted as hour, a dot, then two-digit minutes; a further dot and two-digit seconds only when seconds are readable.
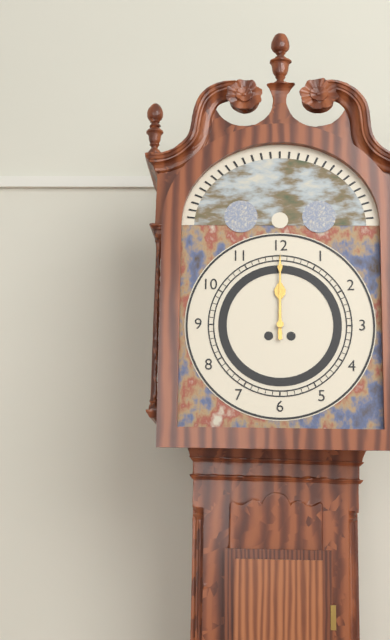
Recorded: 12.00
